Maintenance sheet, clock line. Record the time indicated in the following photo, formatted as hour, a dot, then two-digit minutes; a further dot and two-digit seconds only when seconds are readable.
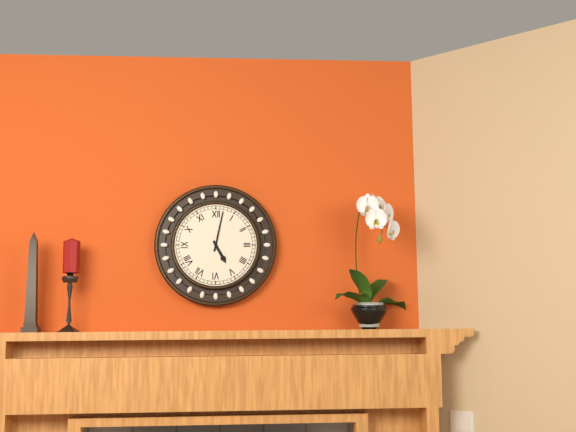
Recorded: 5.02
